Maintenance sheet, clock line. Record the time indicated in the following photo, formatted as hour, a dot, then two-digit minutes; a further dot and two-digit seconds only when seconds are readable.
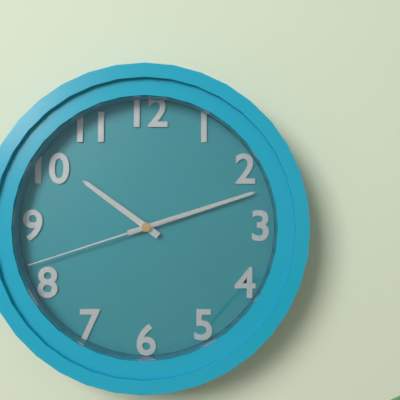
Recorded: 10.12.42
